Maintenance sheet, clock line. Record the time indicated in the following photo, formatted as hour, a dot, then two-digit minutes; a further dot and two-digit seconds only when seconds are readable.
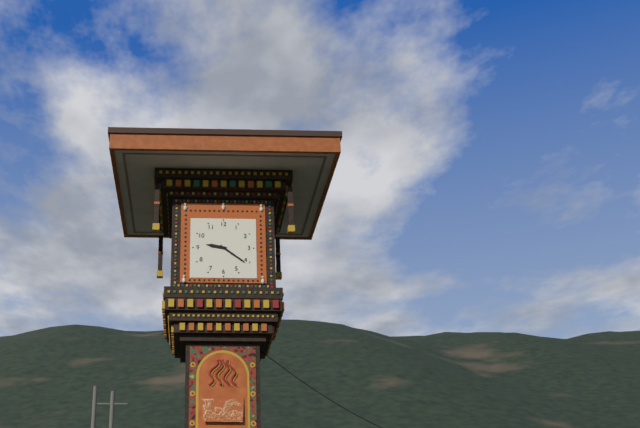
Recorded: 9.21
